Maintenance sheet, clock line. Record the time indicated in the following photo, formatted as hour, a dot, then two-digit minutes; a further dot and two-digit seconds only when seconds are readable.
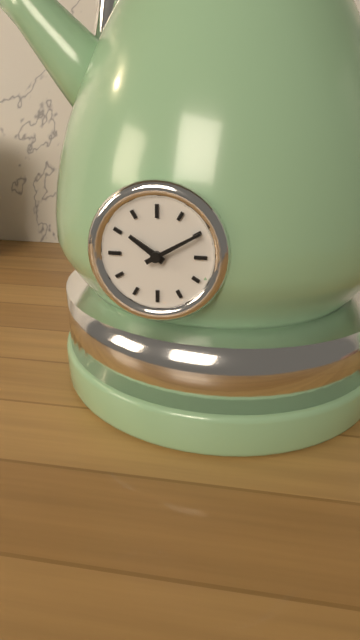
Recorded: 10.10
